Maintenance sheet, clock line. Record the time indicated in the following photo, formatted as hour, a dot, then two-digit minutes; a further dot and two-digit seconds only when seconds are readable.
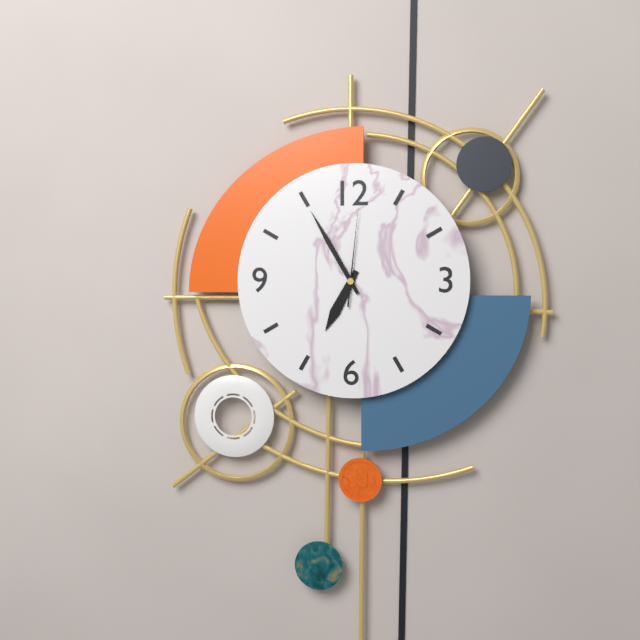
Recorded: 6.55.01
